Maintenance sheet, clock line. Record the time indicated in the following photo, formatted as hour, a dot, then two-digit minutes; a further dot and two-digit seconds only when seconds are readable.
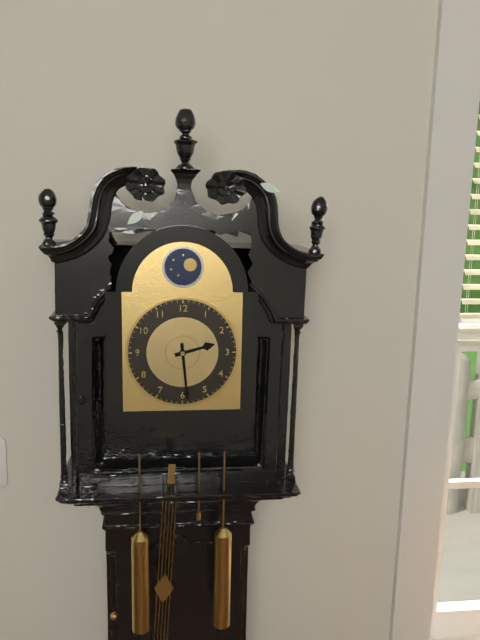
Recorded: 2.29
